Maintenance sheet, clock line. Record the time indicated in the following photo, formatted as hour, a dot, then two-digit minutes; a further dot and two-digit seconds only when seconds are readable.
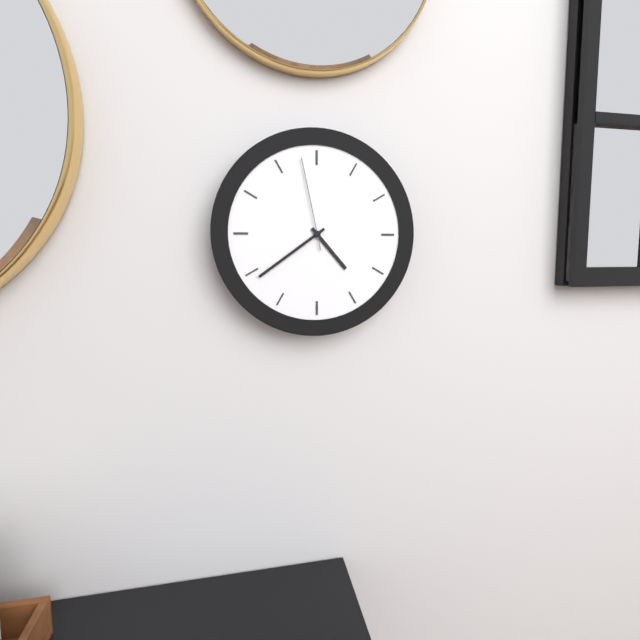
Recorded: 4.39.58
